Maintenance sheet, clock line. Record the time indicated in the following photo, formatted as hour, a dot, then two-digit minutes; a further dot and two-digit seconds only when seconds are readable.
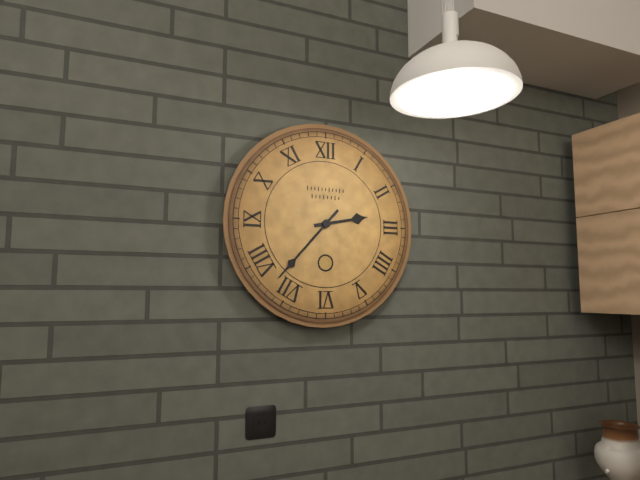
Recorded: 2.37
